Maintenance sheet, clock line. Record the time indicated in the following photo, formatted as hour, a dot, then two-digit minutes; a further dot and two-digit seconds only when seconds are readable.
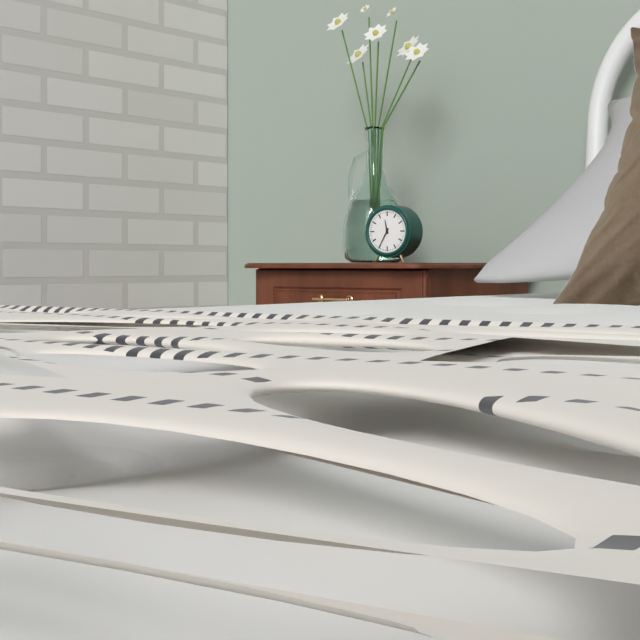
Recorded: 11.35
